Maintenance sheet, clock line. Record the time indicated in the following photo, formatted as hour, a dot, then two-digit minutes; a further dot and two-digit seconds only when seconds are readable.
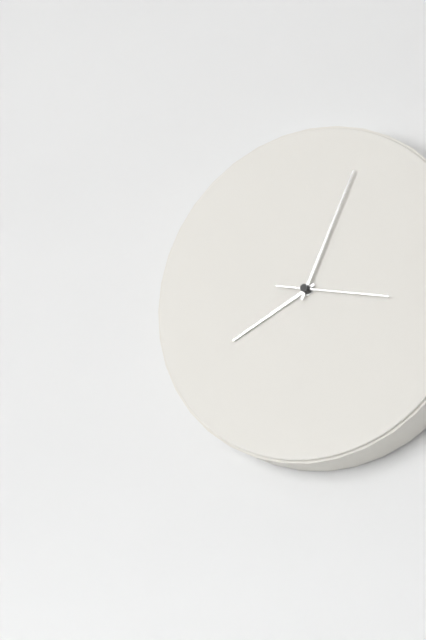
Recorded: 8.04.17
